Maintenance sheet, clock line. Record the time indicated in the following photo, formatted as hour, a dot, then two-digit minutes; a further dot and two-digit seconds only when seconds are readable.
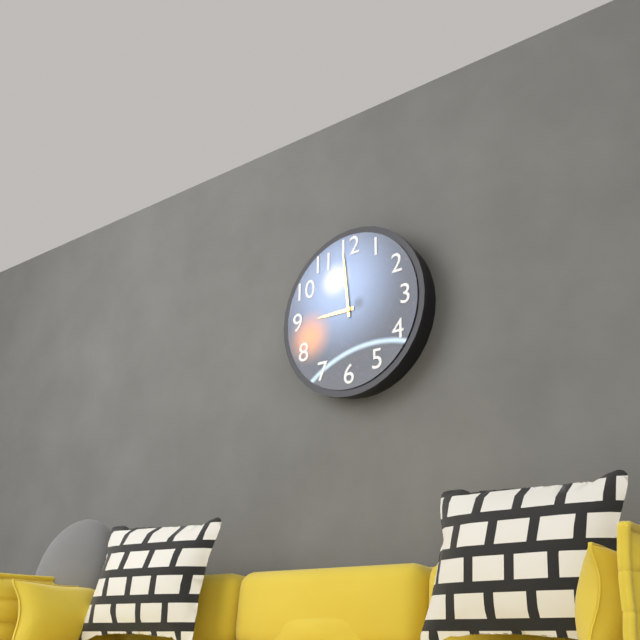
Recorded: 8.59
